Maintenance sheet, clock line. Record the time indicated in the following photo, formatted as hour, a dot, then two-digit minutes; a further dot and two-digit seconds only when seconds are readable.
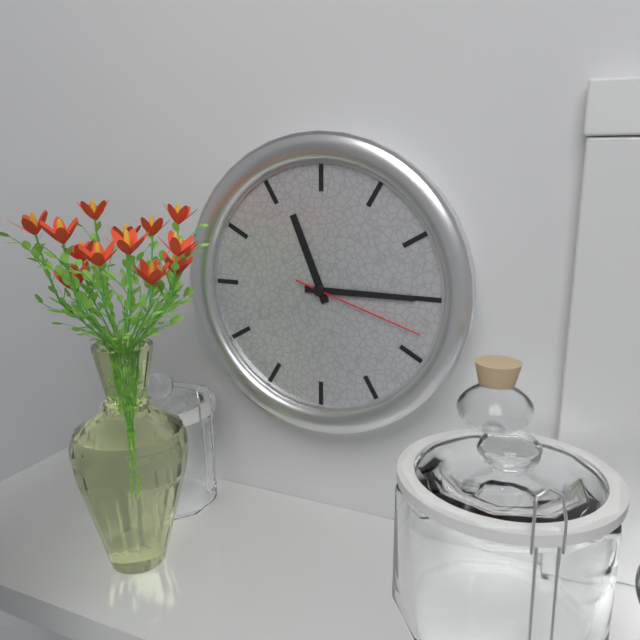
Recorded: 11.15.18
